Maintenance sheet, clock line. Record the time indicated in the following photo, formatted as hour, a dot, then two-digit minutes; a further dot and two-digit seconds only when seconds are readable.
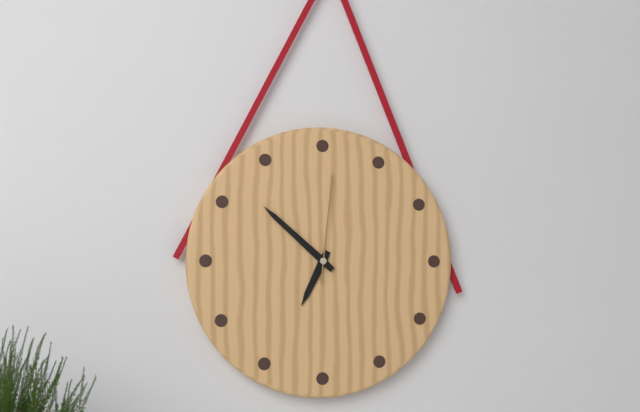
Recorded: 6.52.01
